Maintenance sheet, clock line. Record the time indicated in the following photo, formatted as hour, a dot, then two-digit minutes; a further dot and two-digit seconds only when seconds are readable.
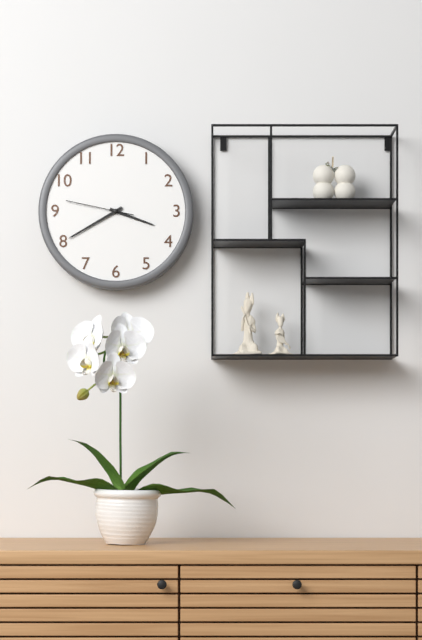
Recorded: 3.40.47
